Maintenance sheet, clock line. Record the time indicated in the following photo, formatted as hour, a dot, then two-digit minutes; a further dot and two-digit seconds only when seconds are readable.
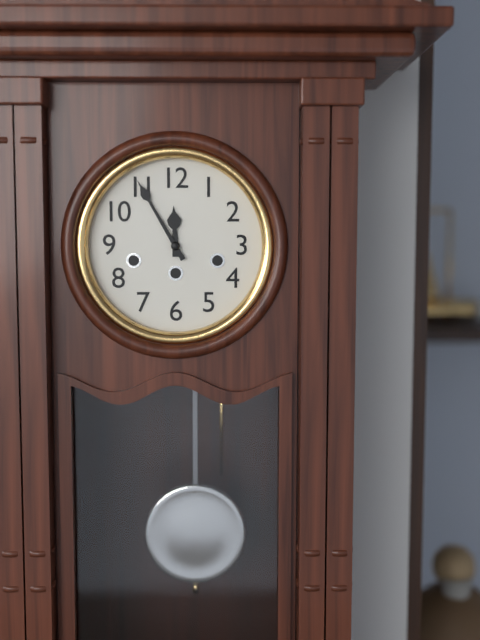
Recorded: 11.55
